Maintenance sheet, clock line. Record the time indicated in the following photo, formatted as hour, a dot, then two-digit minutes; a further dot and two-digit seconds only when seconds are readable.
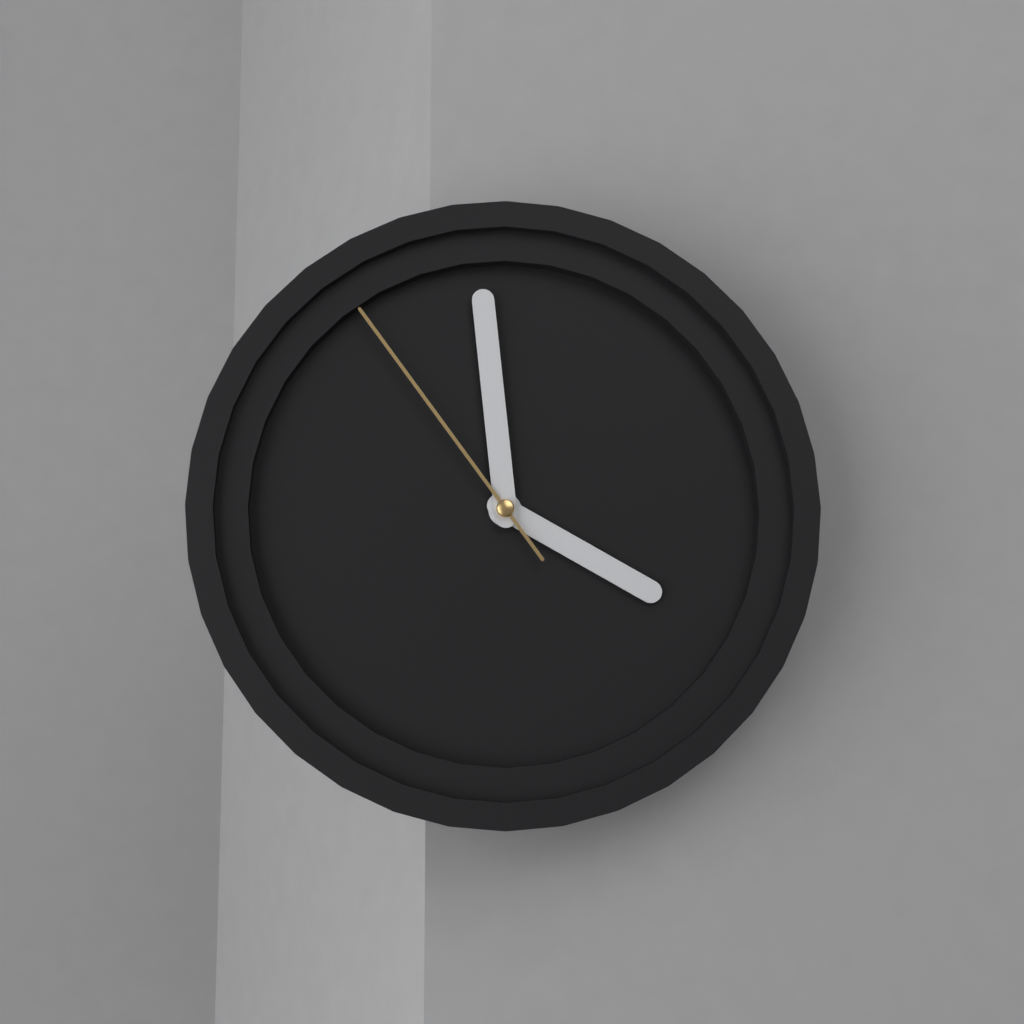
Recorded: 3.59.54
